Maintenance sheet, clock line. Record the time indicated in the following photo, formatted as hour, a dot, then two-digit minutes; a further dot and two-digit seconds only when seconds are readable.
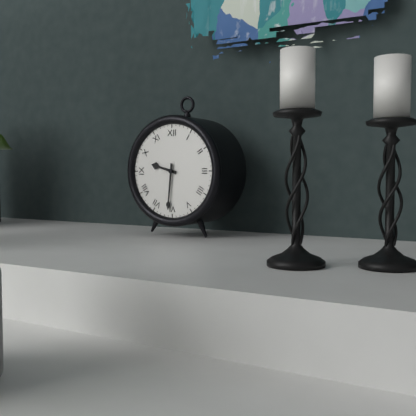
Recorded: 9.31
